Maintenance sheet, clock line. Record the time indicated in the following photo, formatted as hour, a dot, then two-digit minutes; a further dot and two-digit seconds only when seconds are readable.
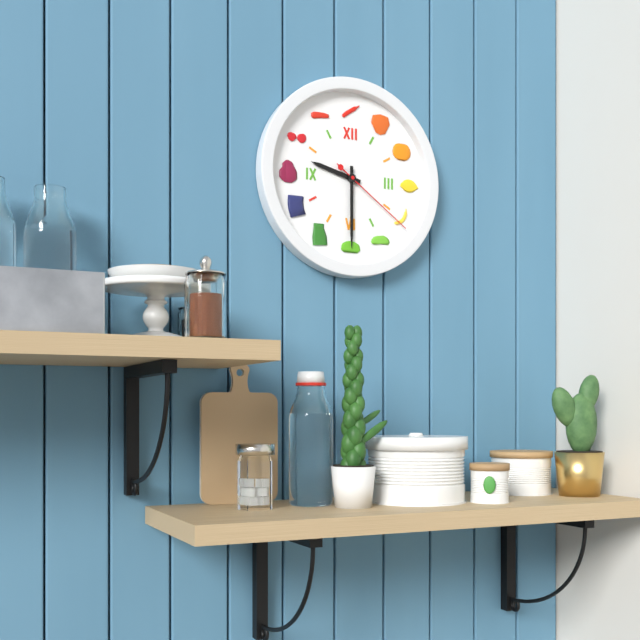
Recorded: 9.30.21
